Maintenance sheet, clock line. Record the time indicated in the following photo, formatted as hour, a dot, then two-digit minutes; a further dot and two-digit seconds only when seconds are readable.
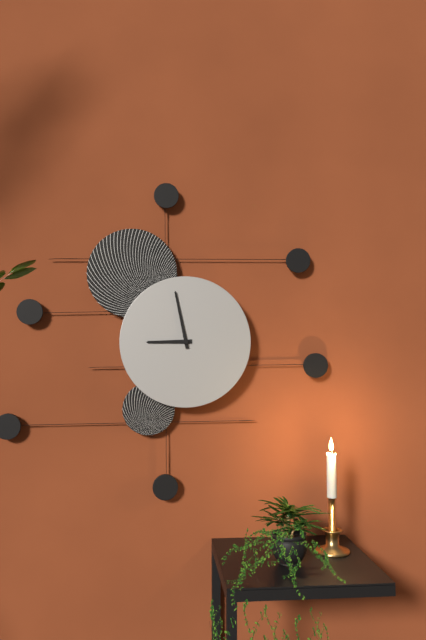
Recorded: 8.58
